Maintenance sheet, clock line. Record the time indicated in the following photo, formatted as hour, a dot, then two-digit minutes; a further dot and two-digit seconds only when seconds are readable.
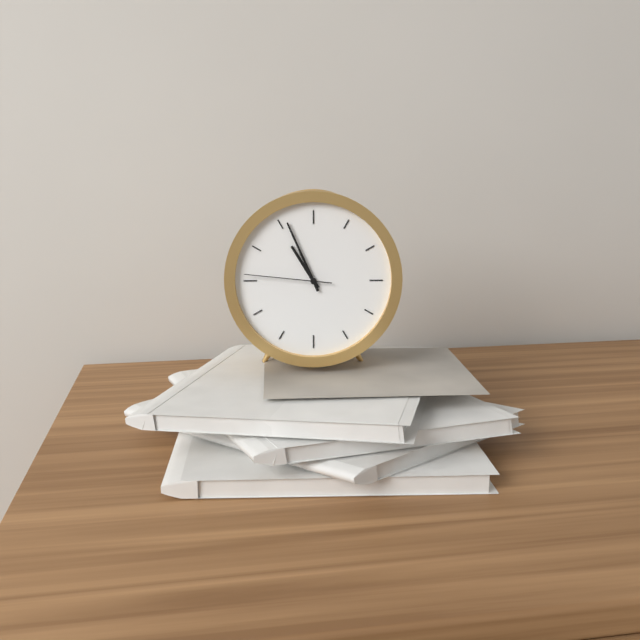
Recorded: 10.56.46
